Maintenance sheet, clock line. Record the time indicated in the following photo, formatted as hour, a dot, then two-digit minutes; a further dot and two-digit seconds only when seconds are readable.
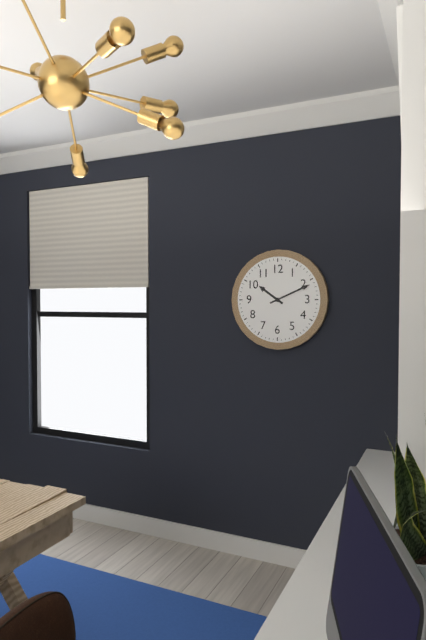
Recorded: 10.11
